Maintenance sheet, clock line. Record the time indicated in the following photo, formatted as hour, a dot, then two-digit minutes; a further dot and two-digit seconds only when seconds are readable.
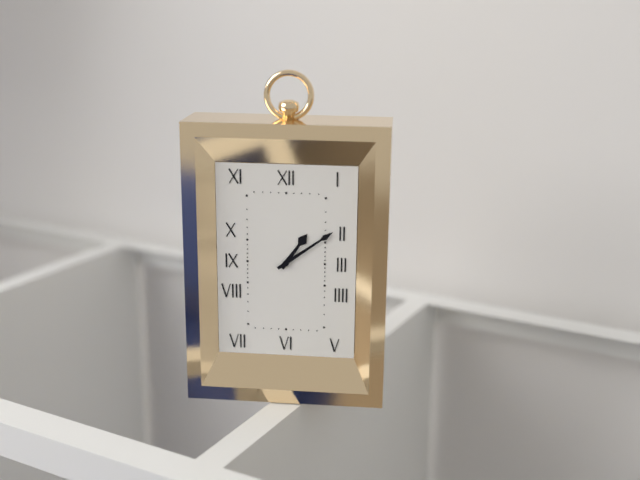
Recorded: 1.09
